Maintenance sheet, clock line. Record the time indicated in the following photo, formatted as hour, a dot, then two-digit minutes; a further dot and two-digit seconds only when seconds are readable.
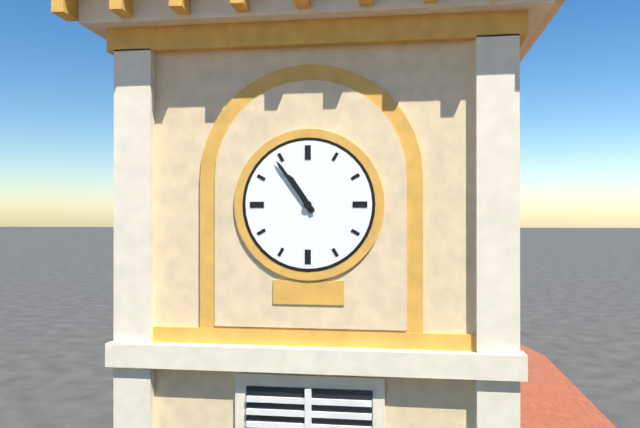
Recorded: 10.54
